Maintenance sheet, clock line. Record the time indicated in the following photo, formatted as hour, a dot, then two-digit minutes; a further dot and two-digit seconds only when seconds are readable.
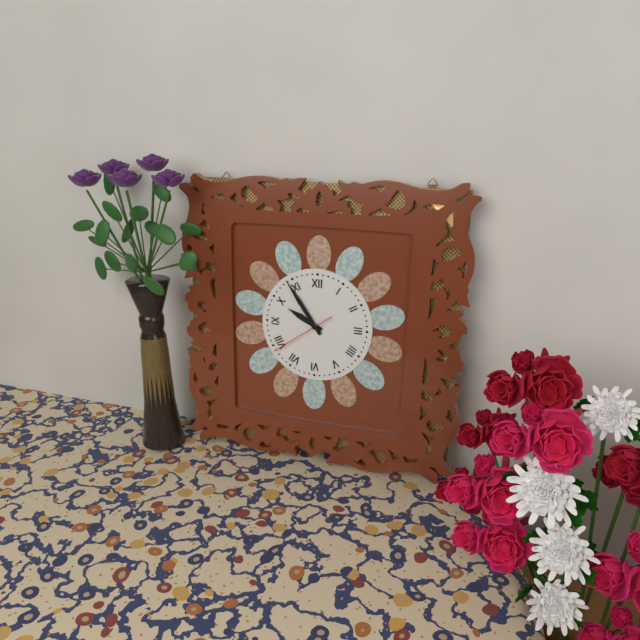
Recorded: 9.54.39
